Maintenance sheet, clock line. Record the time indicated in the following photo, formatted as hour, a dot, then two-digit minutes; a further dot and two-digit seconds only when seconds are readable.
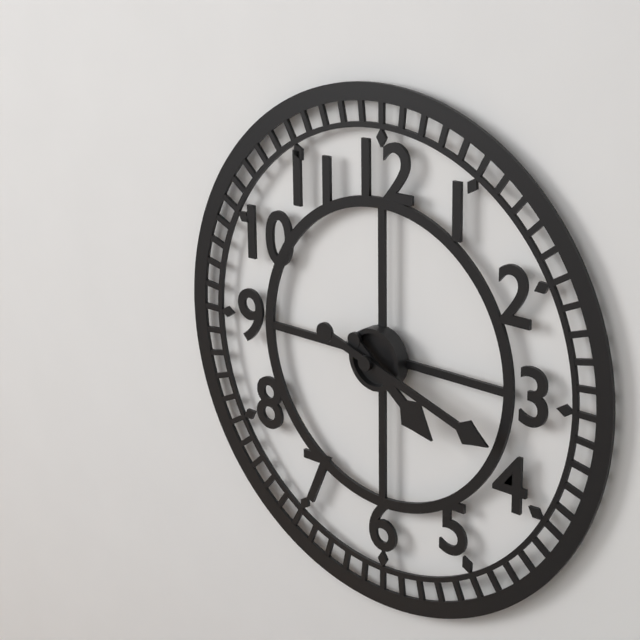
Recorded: 4.18
